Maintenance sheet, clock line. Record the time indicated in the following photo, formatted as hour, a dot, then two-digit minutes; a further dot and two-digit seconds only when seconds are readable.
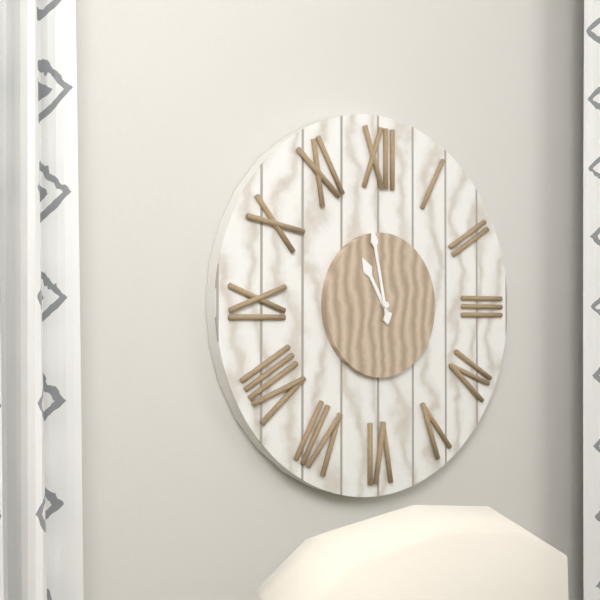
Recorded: 10.58
